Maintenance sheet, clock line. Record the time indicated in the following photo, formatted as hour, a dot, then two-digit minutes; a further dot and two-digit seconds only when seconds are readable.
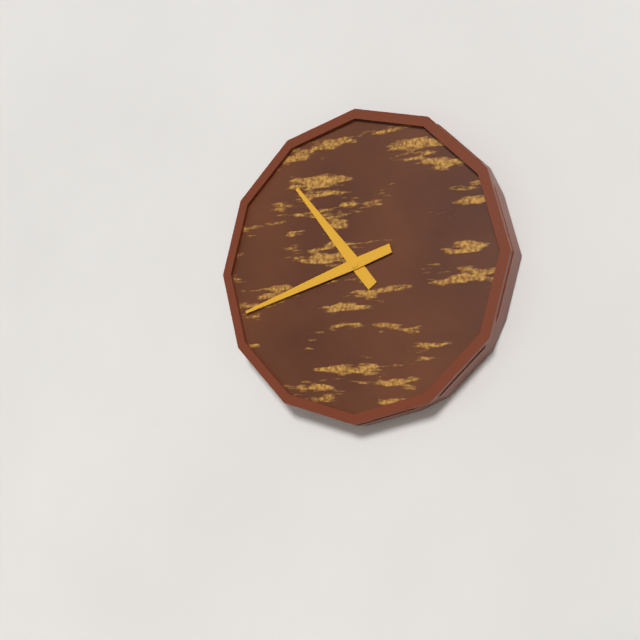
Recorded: 10.42
